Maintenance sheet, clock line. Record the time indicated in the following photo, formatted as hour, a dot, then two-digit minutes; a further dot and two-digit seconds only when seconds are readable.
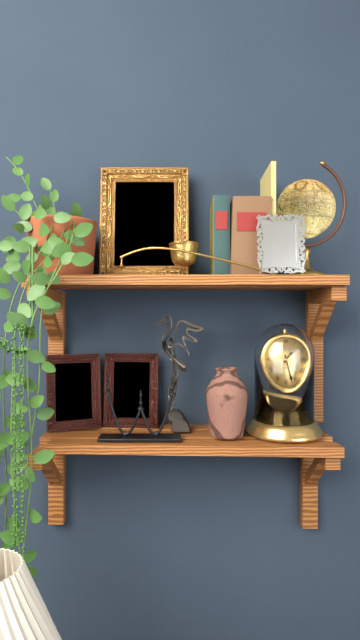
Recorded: 1.27
